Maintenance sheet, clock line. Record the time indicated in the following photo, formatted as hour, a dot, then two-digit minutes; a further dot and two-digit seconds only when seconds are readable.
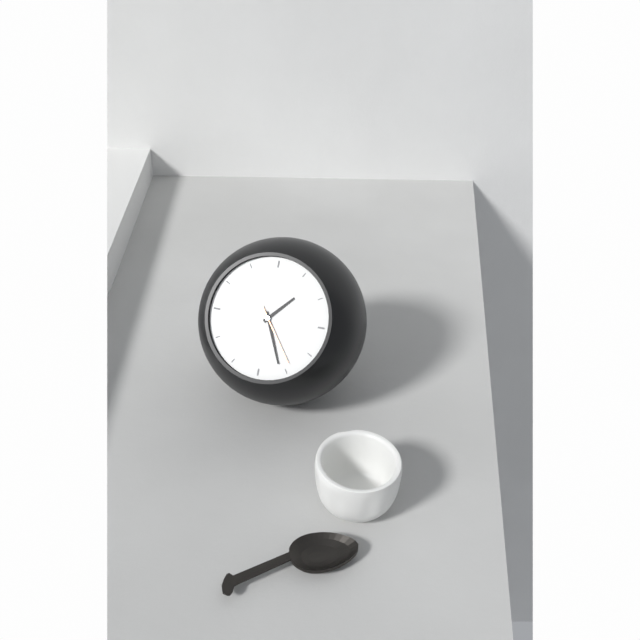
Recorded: 1.26.24
